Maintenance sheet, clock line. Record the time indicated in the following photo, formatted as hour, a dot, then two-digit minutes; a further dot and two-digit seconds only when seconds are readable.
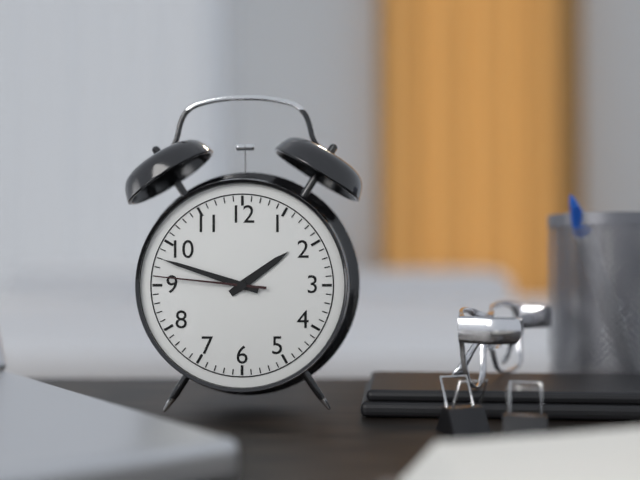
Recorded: 1.48.46
